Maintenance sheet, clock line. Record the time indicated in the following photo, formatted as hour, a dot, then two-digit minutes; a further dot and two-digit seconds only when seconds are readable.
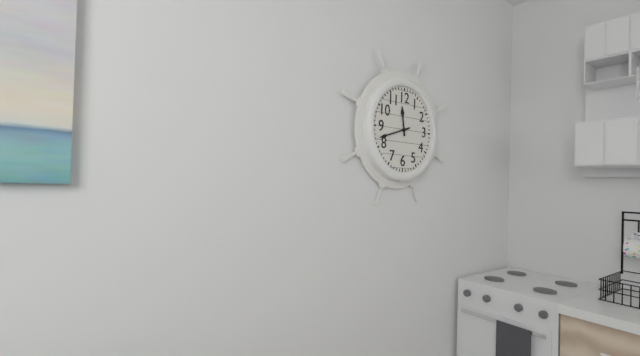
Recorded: 11.42
